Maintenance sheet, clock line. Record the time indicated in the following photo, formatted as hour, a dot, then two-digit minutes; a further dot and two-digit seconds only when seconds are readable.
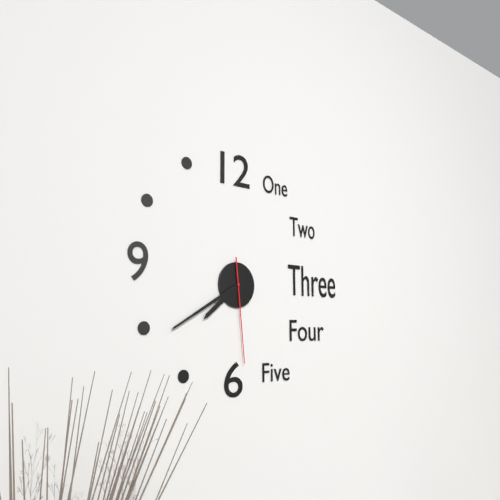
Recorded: 7.40.29
